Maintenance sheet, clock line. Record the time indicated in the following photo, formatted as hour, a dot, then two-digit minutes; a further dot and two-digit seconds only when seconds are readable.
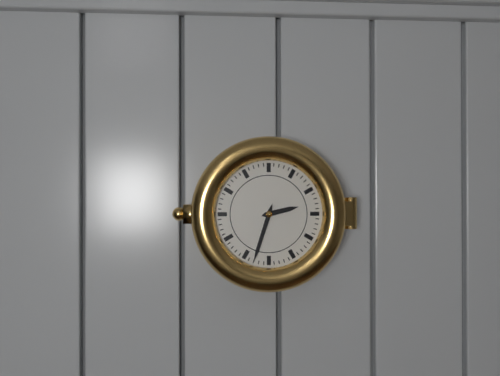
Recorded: 2.33
